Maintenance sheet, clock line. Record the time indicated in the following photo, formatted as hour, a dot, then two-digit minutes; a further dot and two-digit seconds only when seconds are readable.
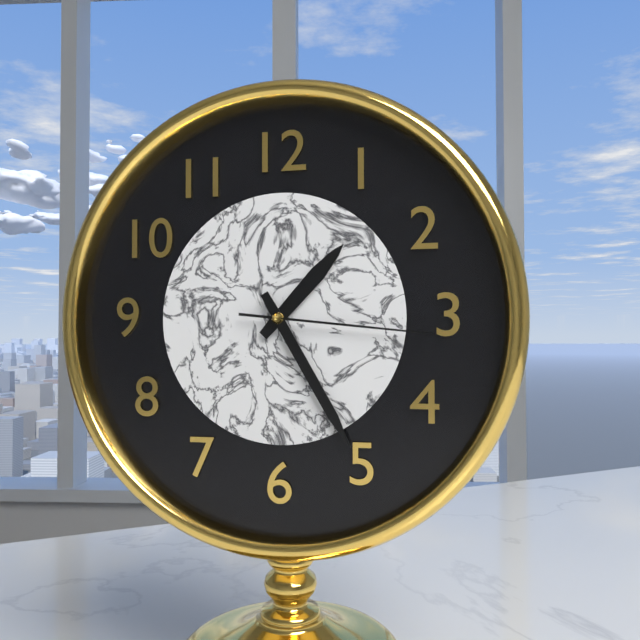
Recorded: 1.25.16
